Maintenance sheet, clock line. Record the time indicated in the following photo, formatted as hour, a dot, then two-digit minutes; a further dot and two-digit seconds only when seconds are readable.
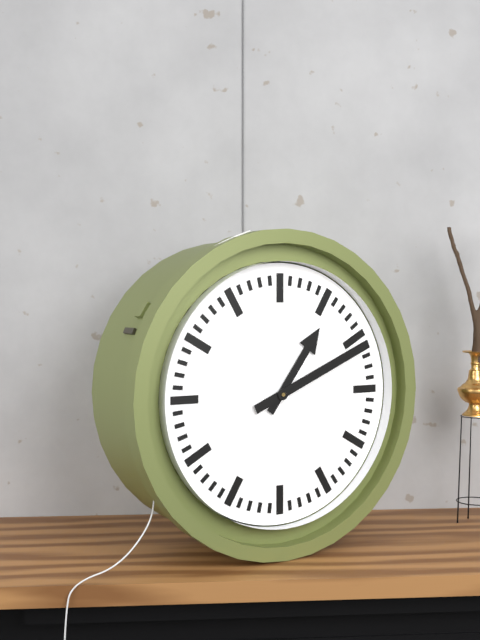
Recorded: 1.11
